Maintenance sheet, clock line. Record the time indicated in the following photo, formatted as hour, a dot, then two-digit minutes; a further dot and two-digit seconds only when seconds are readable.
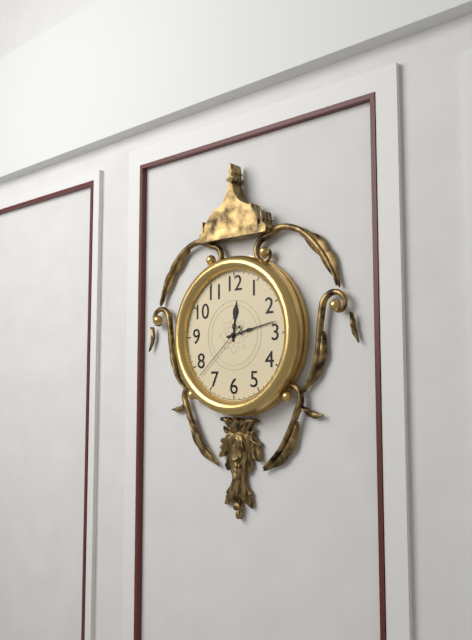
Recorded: 12.13.38
